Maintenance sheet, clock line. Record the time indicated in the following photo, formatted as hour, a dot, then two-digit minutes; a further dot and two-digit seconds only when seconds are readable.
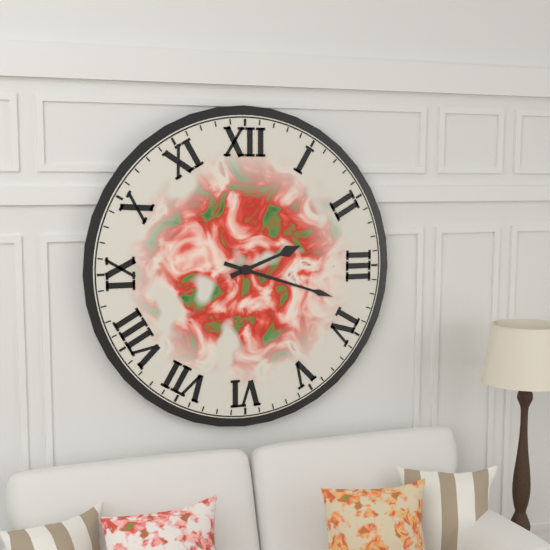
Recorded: 2.18
